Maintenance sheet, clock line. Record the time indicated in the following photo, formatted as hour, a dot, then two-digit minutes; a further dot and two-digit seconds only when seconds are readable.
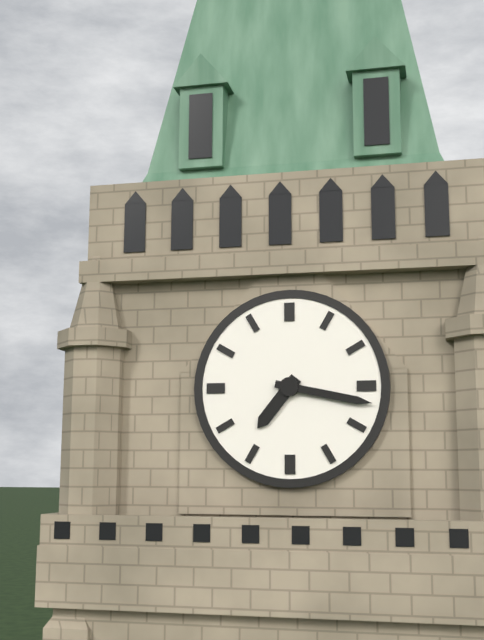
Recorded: 7.17
